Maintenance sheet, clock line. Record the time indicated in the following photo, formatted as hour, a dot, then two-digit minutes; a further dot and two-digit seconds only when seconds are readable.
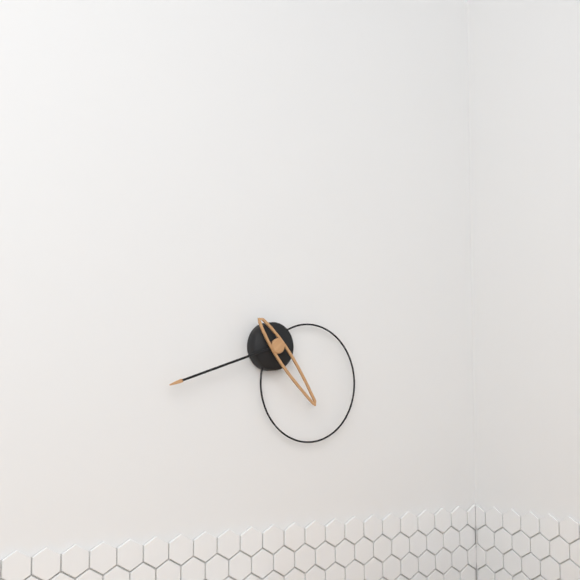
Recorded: 4.42
